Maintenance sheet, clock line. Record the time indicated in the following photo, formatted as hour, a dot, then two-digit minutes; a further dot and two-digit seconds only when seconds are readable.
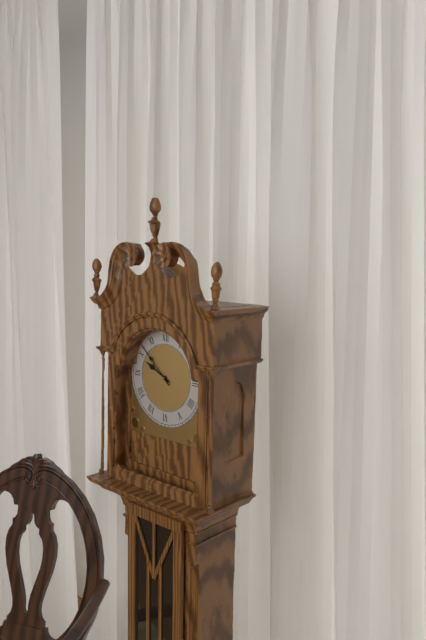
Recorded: 9.52
